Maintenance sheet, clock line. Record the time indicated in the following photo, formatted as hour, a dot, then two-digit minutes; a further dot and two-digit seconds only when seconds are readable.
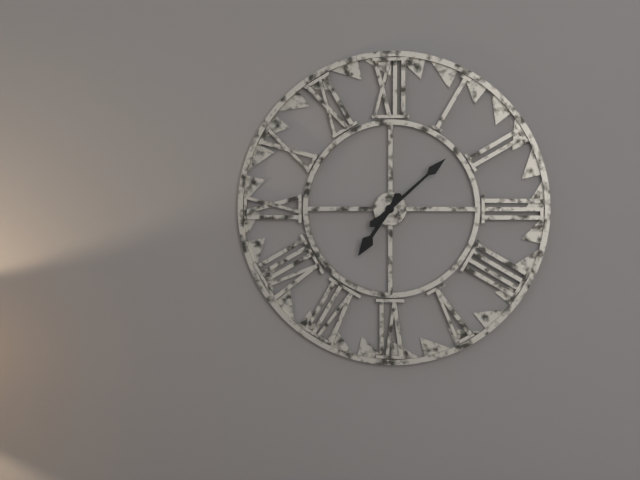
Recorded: 7.08
